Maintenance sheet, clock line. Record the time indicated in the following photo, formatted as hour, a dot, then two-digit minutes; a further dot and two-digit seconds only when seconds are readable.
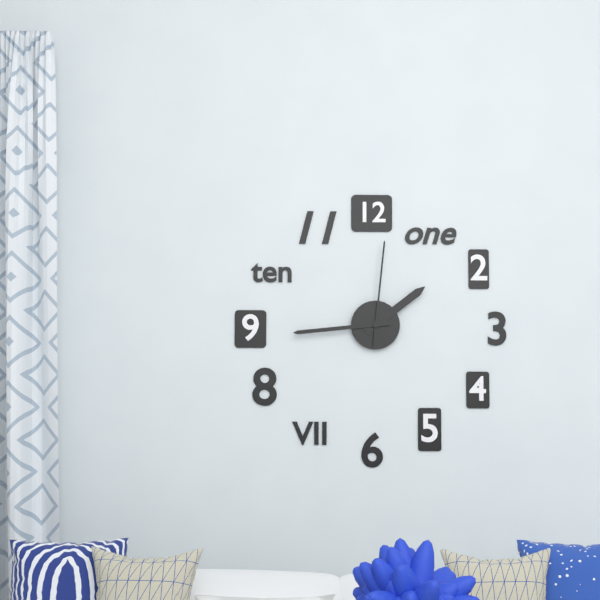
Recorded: 1.44.01
